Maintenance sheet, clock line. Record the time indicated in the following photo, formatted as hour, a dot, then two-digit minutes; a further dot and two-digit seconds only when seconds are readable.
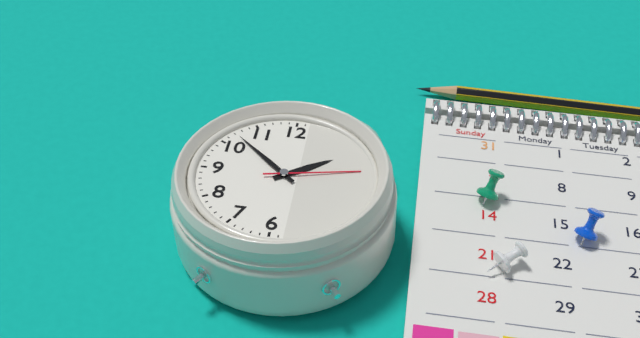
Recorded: 1.52.13
